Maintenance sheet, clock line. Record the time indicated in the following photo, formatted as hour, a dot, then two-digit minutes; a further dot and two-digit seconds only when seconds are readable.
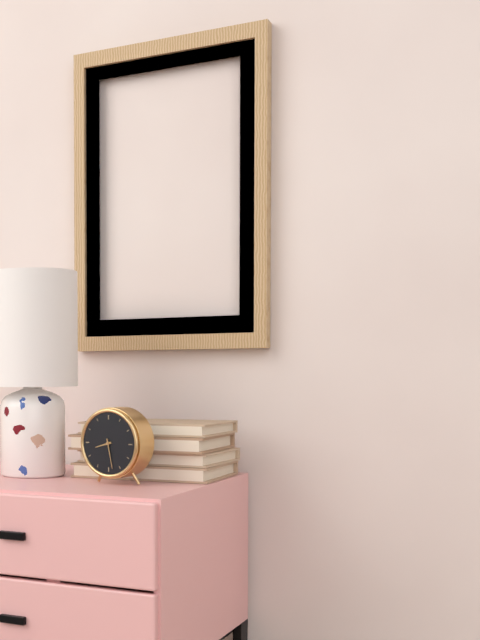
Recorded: 8.28
